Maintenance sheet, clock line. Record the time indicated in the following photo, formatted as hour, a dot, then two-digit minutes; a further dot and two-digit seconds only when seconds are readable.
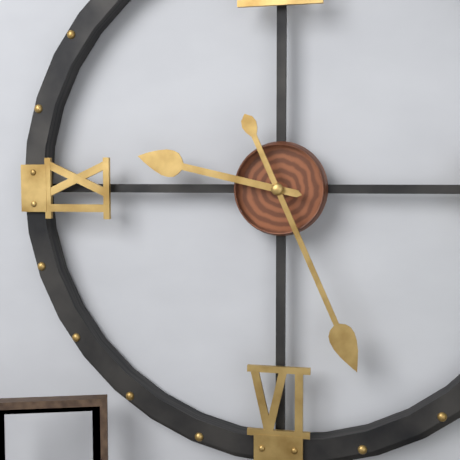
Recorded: 9.26
